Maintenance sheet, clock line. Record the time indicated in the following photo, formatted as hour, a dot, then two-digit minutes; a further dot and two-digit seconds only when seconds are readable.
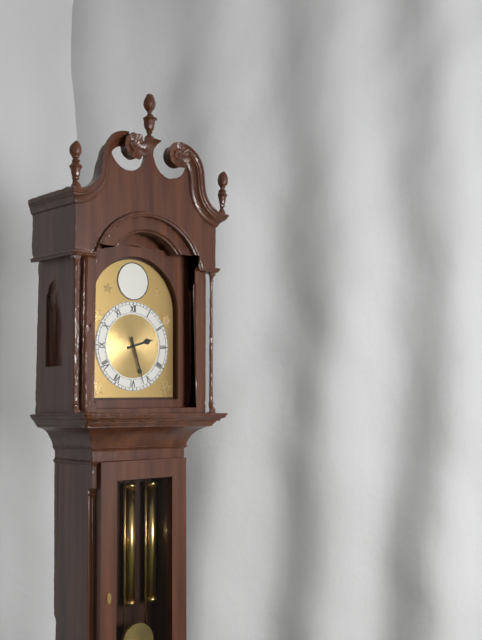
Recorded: 2.27
